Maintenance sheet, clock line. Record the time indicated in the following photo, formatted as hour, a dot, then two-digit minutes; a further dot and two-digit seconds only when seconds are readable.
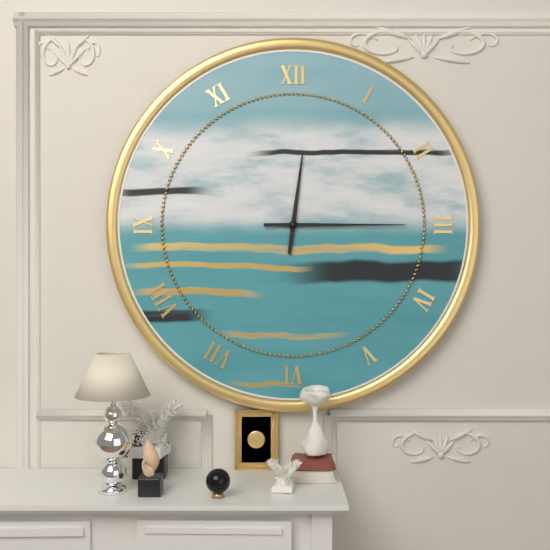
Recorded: 12.15
